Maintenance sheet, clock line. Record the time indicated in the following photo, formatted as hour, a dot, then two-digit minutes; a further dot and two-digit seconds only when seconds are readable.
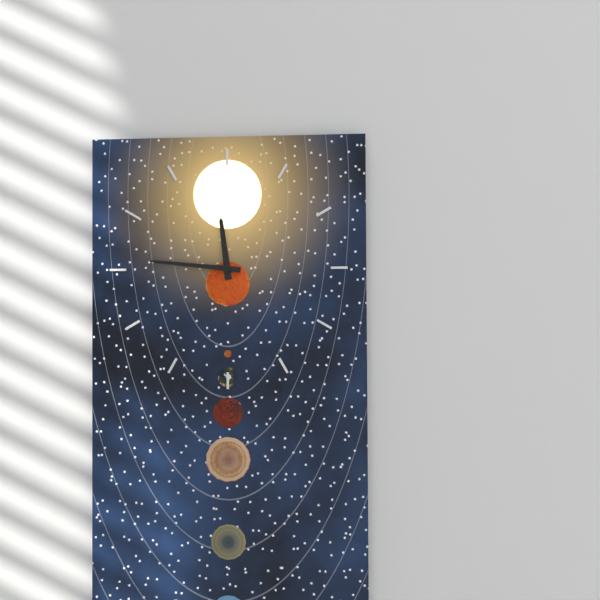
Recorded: 11.46
